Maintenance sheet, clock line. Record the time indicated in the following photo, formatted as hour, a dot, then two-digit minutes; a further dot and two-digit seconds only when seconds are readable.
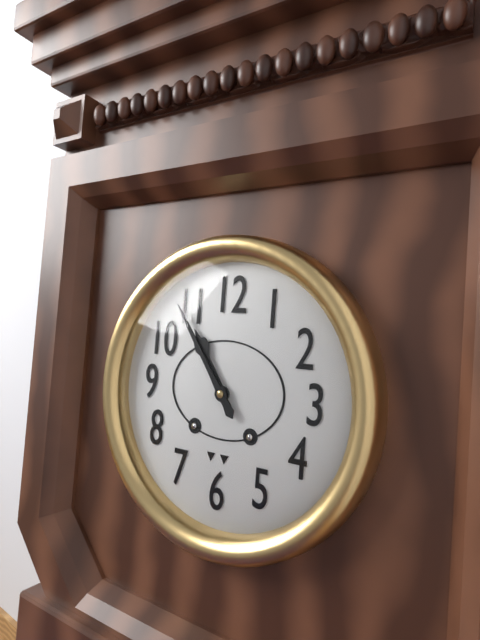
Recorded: 10.54
